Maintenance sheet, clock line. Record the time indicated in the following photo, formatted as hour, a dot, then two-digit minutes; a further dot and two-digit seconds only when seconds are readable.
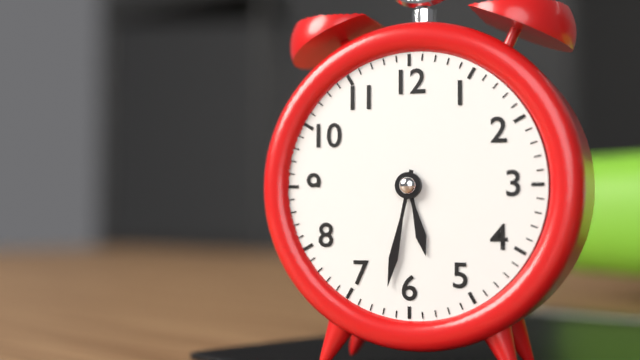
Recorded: 5.32
